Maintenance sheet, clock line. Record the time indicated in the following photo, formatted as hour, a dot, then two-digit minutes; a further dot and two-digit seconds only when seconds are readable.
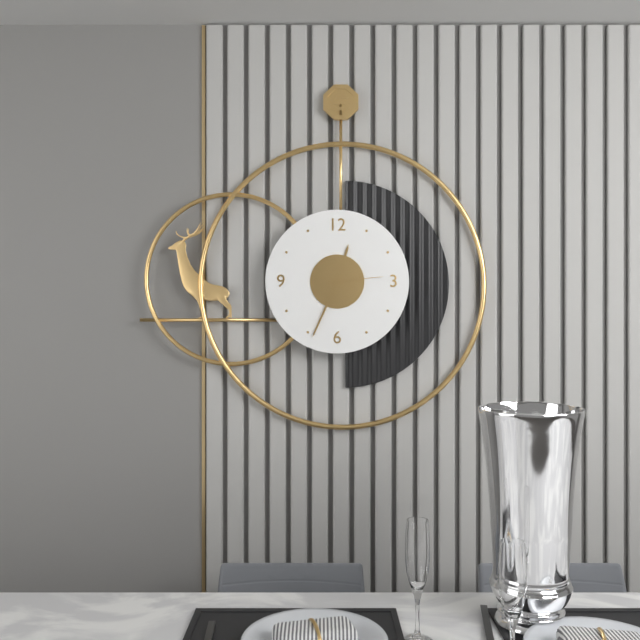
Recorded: 12.34.14
